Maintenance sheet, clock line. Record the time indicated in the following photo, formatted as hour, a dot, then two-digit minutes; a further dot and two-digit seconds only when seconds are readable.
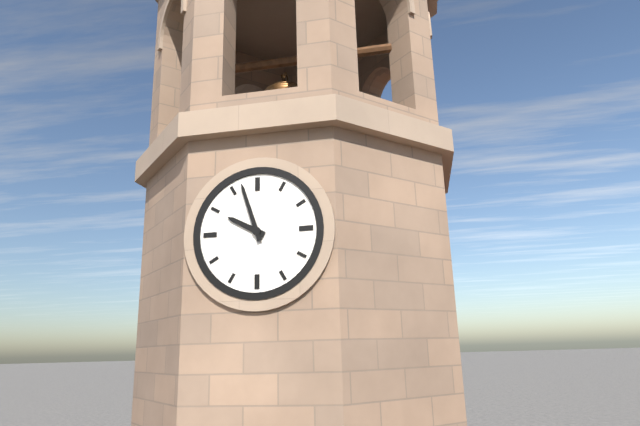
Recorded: 9.57
